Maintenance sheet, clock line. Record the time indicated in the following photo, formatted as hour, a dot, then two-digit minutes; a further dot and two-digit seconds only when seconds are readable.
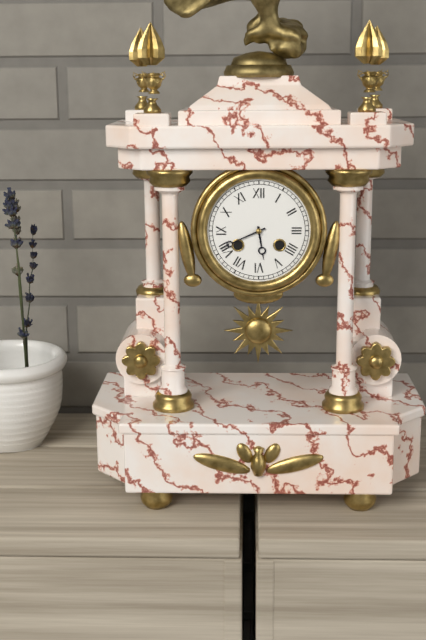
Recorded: 5.41
